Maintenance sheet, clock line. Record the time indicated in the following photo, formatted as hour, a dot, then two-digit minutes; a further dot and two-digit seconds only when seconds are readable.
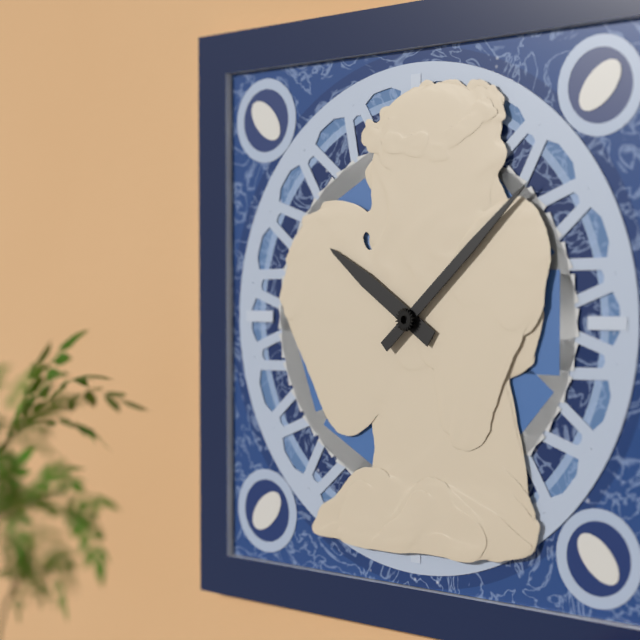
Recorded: 10.08
